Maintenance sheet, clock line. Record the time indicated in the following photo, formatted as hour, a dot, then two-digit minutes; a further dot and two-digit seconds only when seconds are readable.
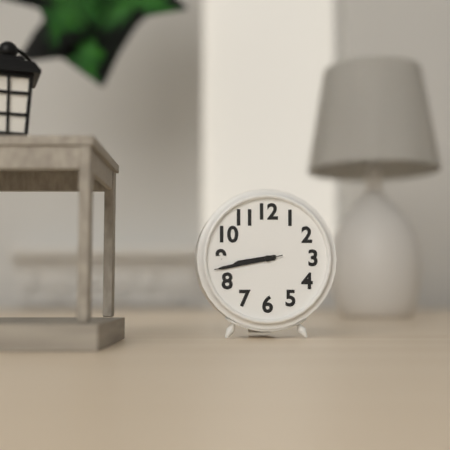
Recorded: 8.43.43
